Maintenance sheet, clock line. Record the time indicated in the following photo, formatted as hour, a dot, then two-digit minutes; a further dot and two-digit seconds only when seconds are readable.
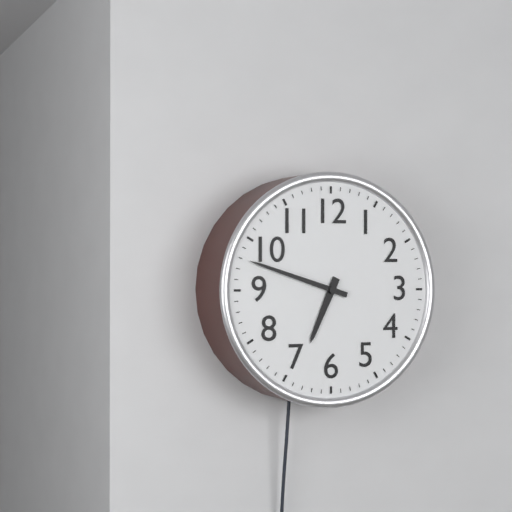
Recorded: 6.48
